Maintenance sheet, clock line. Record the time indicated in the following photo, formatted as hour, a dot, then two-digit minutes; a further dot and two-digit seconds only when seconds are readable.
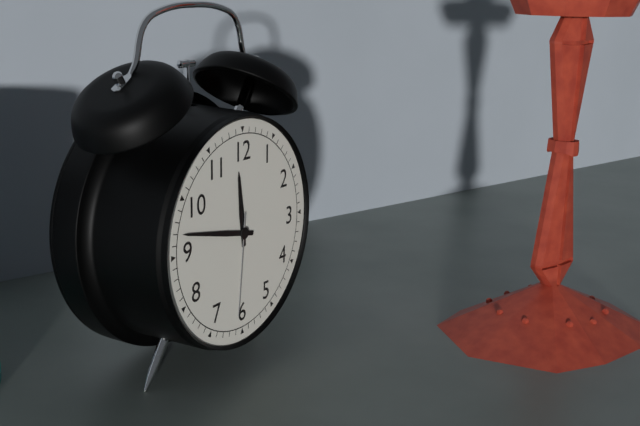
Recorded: 11.47.31
